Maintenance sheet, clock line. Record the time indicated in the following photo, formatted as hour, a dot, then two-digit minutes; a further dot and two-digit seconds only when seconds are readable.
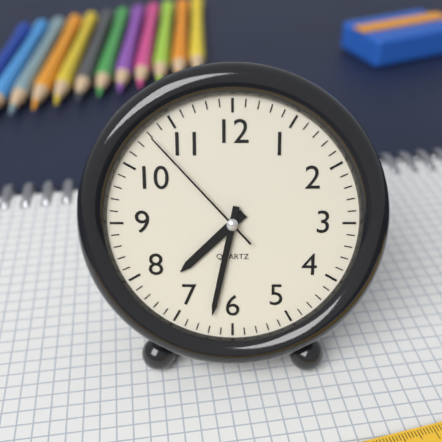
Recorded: 7.32.53
